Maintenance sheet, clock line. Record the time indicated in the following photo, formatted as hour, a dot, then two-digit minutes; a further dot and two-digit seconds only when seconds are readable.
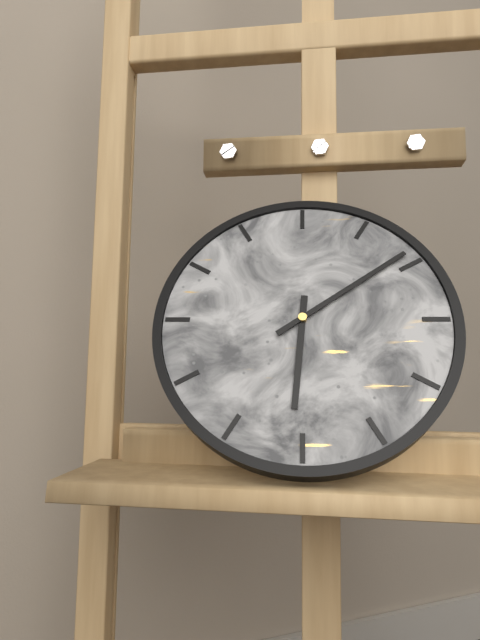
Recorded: 6.09
